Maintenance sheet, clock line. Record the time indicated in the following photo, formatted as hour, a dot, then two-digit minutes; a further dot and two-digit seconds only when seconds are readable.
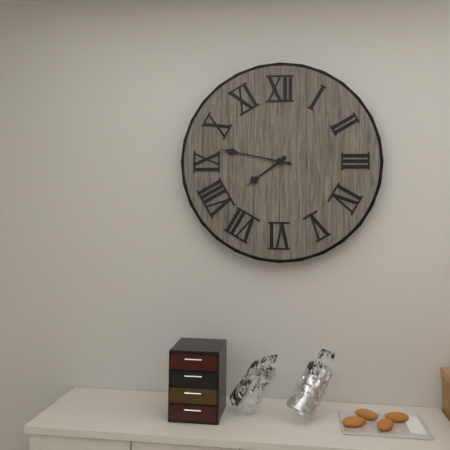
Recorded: 7.47
